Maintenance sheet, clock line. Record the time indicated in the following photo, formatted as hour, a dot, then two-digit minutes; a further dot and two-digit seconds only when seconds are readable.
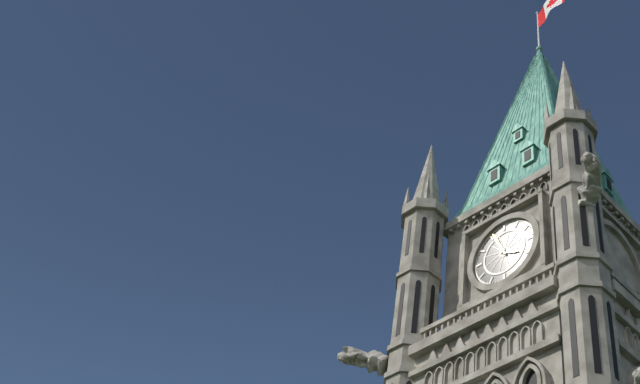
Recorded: 3.56
